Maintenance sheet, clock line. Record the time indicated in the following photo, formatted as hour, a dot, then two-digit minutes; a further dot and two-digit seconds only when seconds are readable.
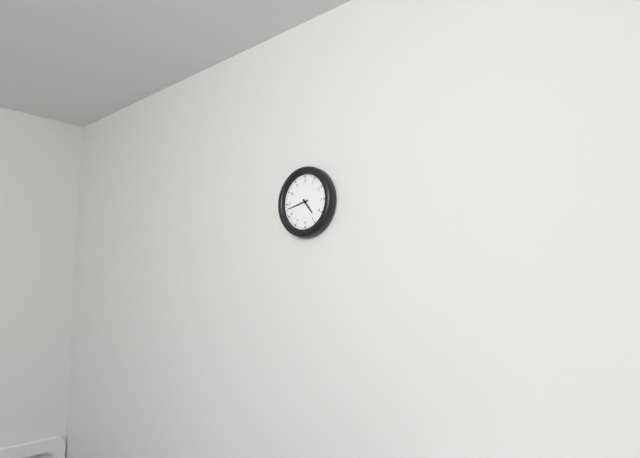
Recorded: 4.43
